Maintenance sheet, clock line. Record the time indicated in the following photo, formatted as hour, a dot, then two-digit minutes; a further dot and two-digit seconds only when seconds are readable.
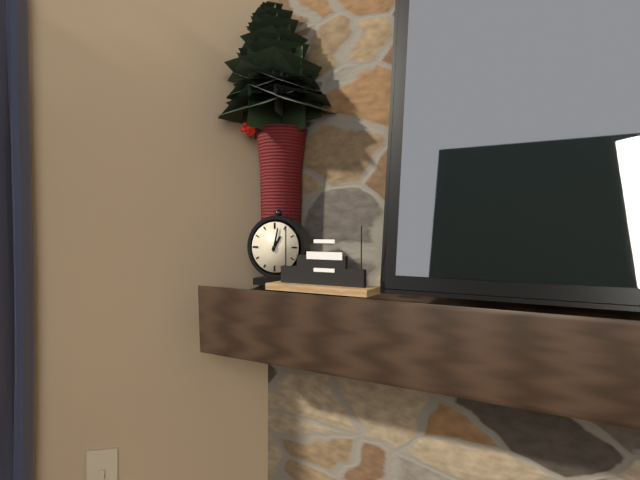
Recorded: 1.02
